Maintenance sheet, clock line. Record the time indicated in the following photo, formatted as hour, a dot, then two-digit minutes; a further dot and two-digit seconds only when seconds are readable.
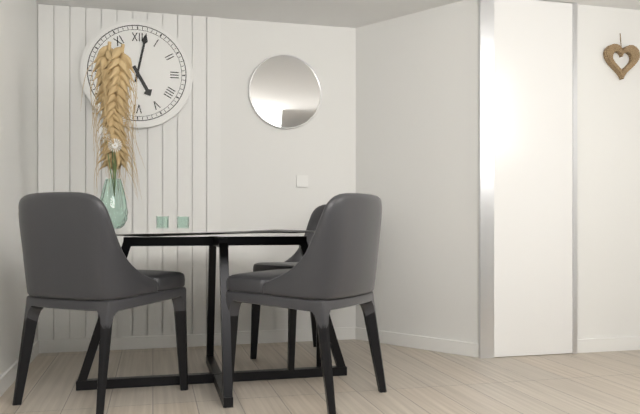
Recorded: 5.02
